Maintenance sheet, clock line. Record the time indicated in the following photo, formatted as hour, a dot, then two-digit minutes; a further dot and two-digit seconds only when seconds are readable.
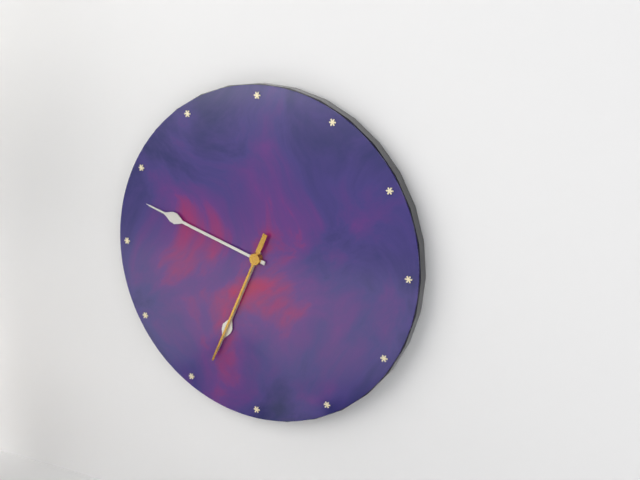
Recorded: 6.48.34
